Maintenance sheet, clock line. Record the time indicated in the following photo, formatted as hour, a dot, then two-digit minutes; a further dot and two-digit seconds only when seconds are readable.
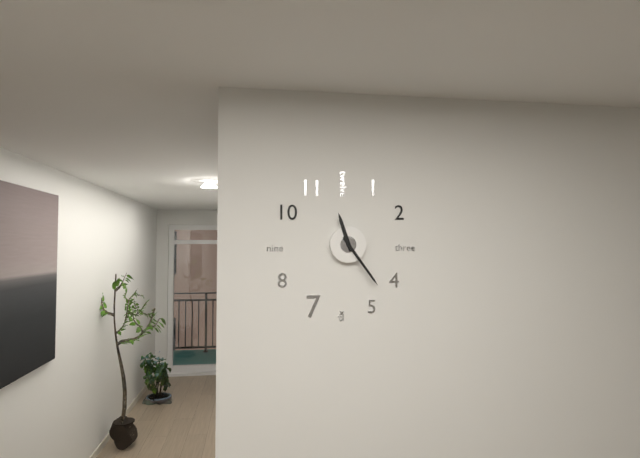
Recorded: 11.24
